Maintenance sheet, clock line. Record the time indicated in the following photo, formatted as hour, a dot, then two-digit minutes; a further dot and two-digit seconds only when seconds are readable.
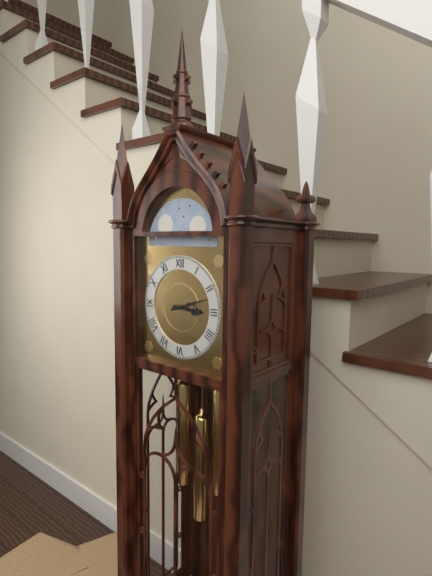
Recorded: 3.12
